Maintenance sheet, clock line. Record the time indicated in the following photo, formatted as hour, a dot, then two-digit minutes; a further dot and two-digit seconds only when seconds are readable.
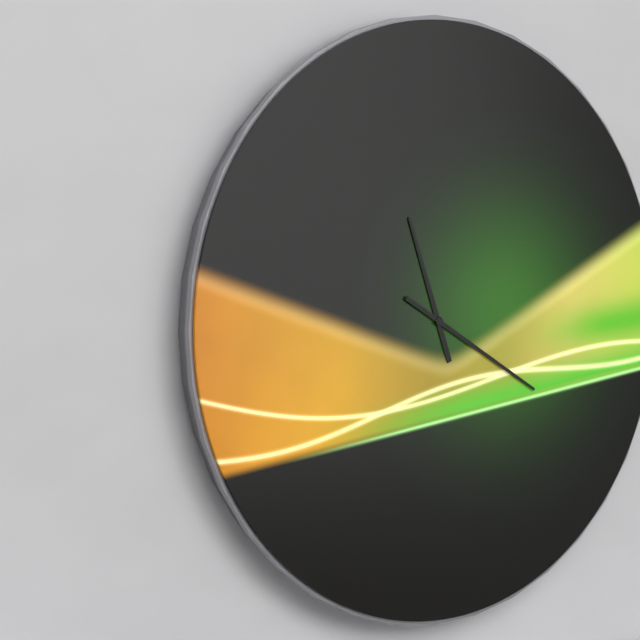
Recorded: 11.20
